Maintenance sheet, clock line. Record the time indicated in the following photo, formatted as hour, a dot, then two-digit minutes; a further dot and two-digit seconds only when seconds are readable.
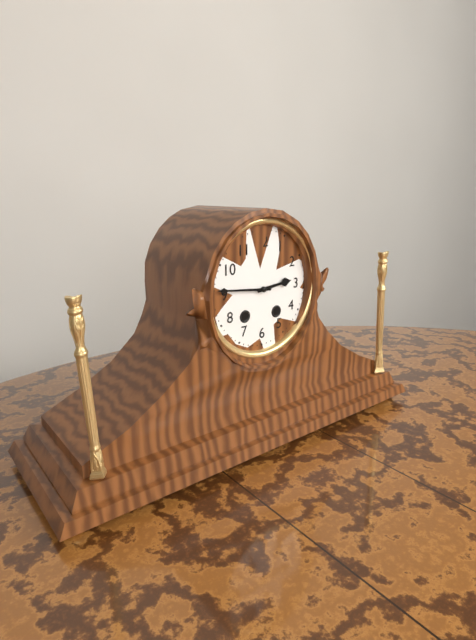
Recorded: 2.46
